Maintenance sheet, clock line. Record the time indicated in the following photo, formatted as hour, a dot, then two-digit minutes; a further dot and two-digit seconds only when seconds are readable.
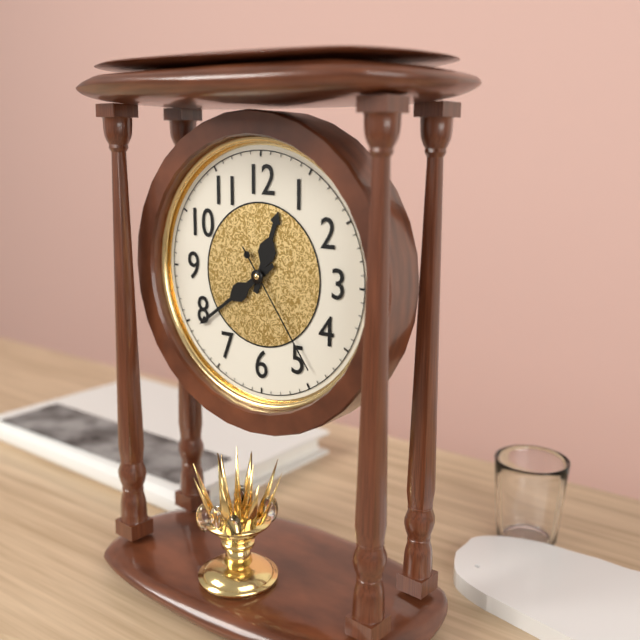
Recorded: 12.39.24
